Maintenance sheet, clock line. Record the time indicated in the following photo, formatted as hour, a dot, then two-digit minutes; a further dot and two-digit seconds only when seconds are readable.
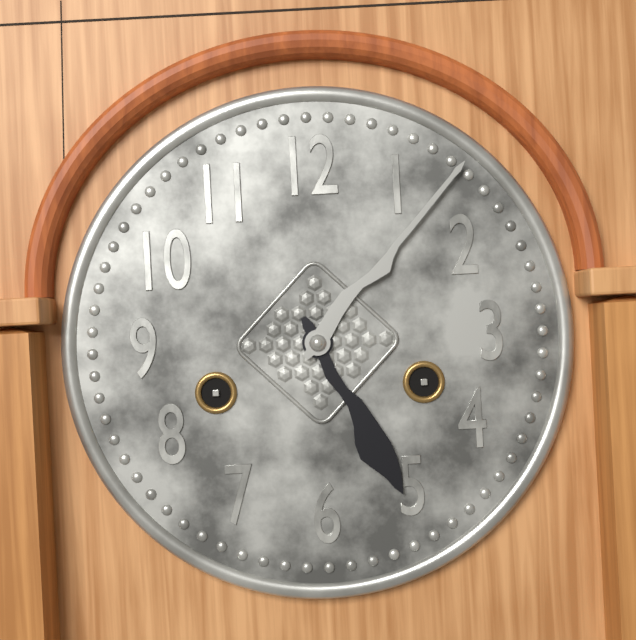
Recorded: 5.07
